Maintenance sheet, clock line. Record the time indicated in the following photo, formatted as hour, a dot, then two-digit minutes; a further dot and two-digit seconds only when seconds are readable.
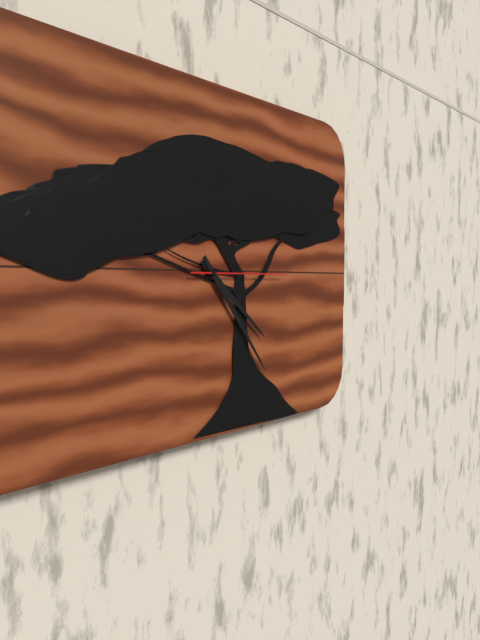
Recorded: 4.24.15
